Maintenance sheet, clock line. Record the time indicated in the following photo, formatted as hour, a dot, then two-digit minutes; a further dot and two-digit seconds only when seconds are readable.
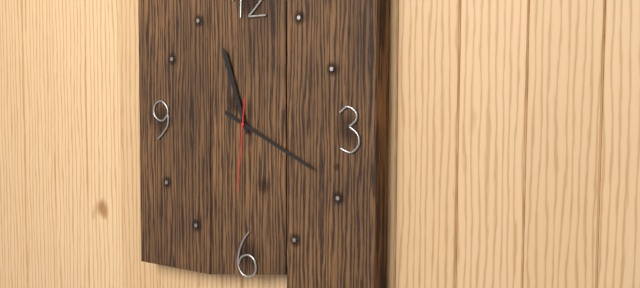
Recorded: 11.19.31
